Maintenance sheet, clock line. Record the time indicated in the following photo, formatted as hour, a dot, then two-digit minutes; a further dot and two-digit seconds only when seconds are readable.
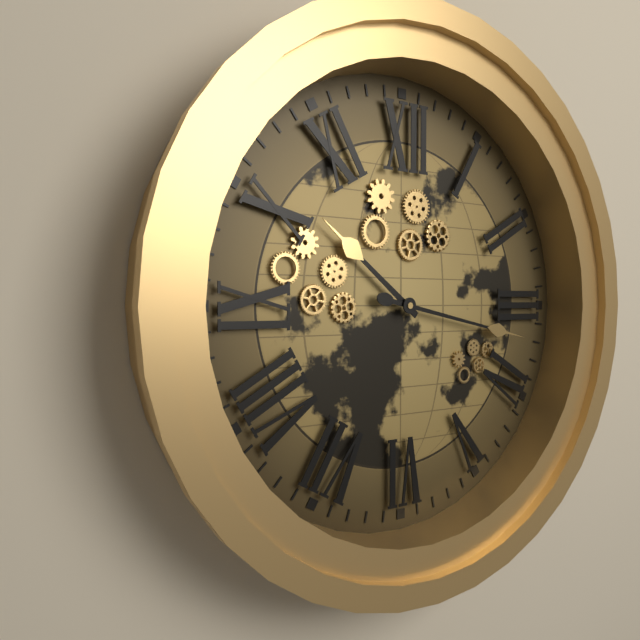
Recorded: 10.17
